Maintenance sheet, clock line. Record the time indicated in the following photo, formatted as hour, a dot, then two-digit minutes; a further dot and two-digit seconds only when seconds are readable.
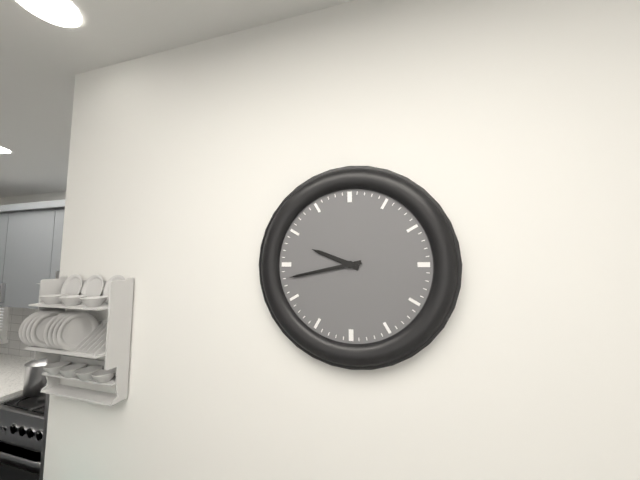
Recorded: 9.43
